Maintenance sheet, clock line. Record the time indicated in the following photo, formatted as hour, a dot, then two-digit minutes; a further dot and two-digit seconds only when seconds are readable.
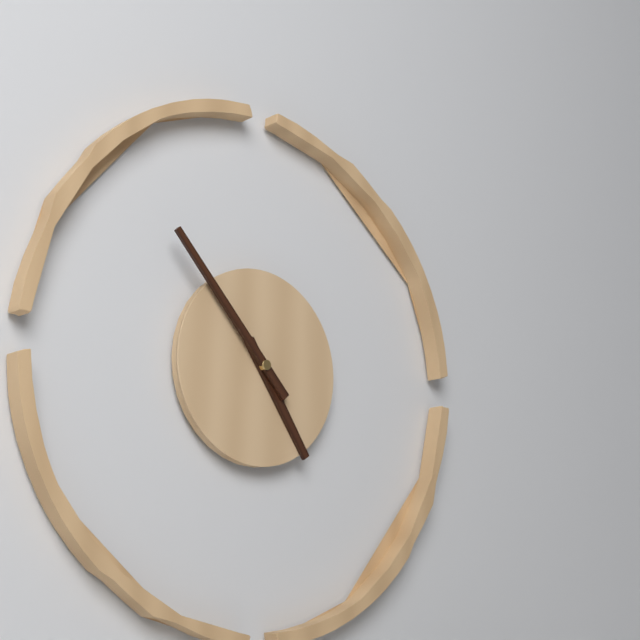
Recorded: 4.53
